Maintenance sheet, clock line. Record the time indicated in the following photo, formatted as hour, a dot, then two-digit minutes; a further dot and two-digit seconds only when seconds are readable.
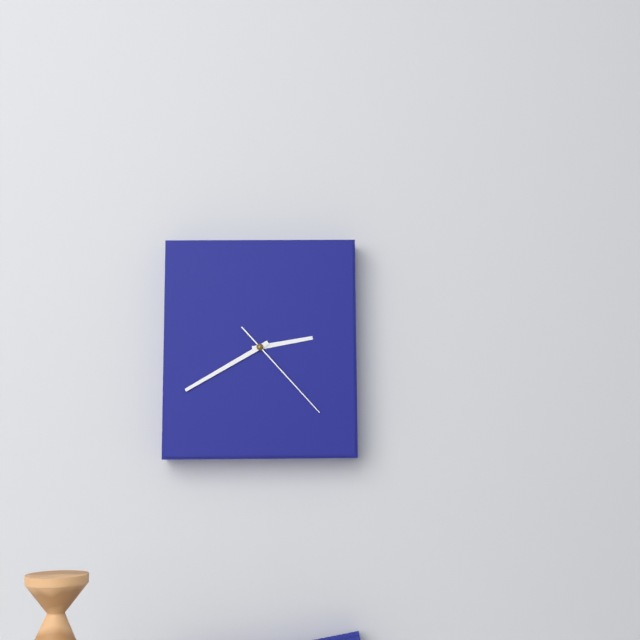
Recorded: 2.40.23
